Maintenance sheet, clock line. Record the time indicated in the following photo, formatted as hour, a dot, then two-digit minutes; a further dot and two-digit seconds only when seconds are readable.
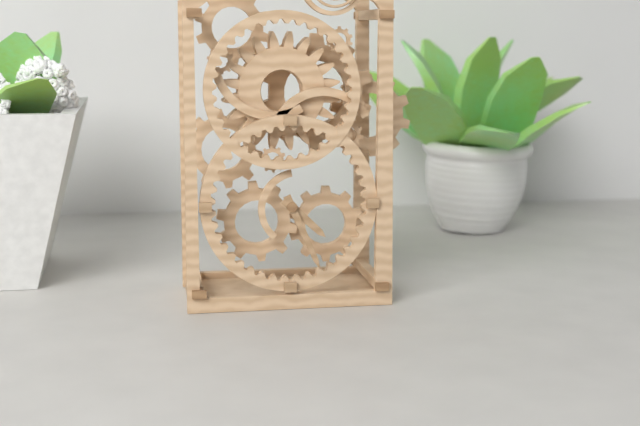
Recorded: 4.26
